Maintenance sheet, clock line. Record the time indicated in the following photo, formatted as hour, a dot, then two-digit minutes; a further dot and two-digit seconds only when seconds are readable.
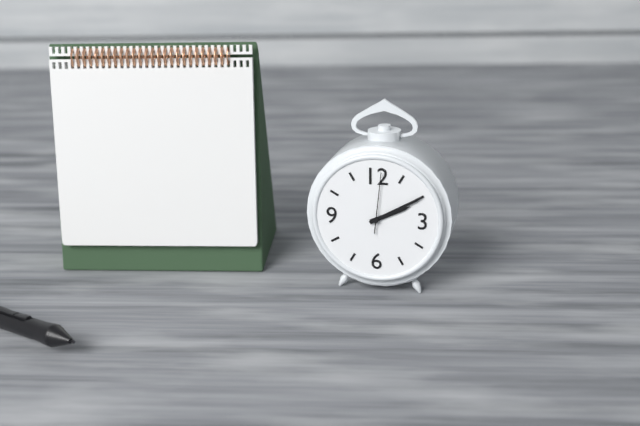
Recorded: 2.10.01
